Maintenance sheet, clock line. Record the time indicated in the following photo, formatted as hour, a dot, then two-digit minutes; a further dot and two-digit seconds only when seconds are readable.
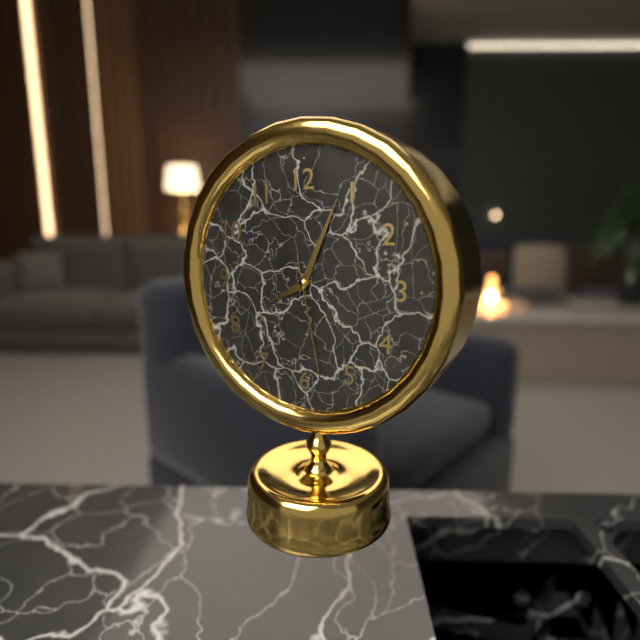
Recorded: 8.04.28
